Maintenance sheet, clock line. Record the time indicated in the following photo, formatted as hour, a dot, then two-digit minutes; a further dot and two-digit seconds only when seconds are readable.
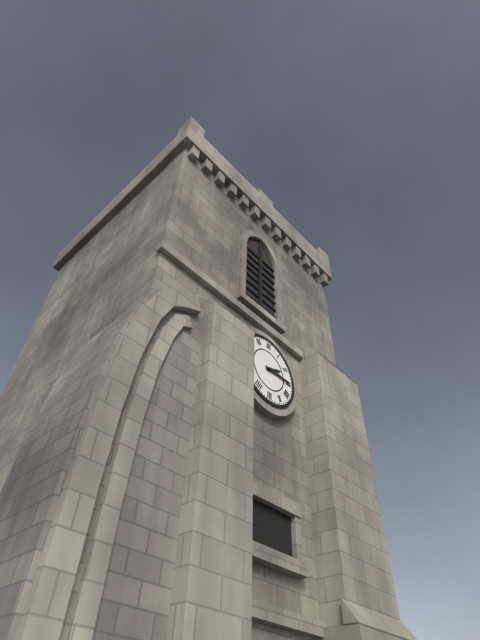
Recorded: 2.15
